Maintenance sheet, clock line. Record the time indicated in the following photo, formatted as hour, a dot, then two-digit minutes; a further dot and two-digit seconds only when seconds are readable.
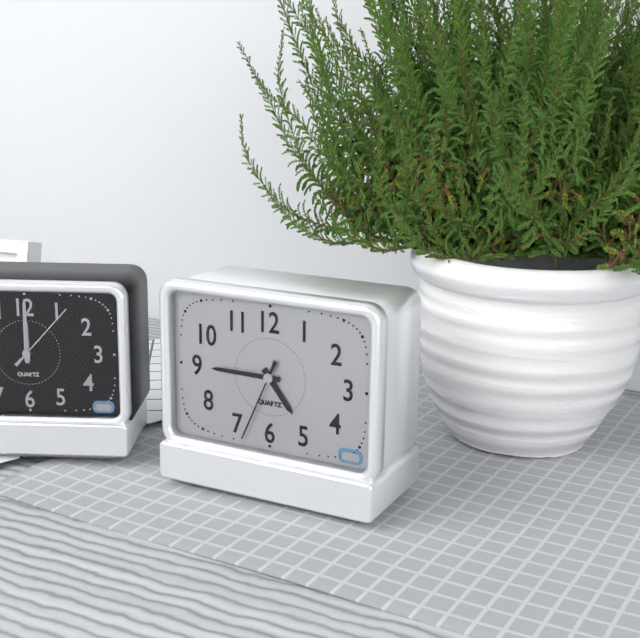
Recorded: 4.45.34
